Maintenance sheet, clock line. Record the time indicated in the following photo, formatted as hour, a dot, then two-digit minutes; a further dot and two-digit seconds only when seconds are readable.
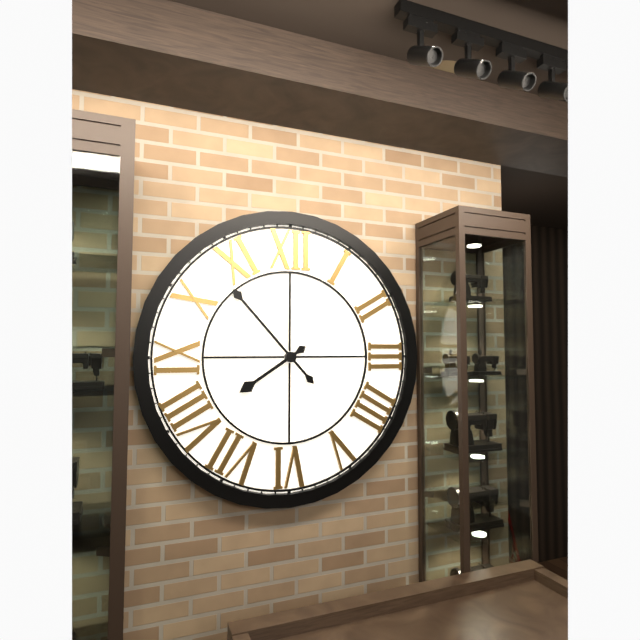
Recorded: 7.53
